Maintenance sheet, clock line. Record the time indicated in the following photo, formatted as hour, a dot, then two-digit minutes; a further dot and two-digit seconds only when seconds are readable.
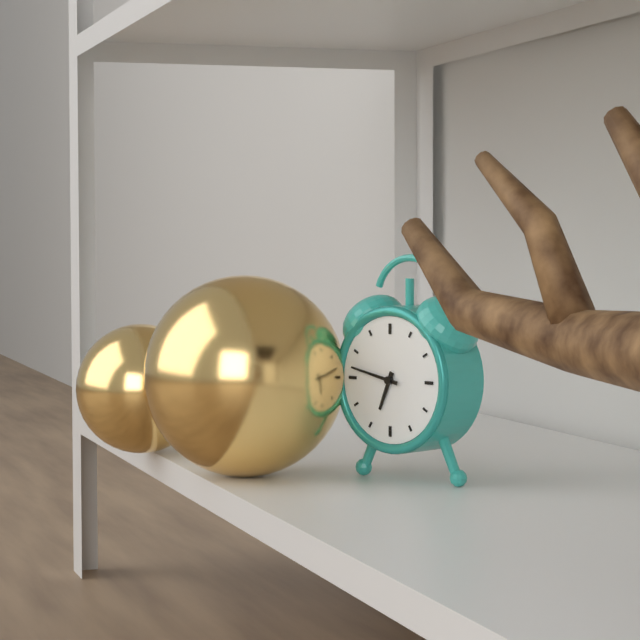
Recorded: 6.47
